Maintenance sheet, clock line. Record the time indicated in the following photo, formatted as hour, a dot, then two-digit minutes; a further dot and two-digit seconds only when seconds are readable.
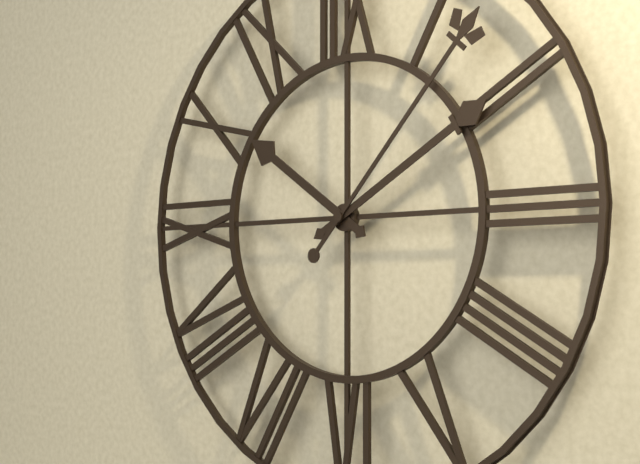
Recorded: 10.10.07
